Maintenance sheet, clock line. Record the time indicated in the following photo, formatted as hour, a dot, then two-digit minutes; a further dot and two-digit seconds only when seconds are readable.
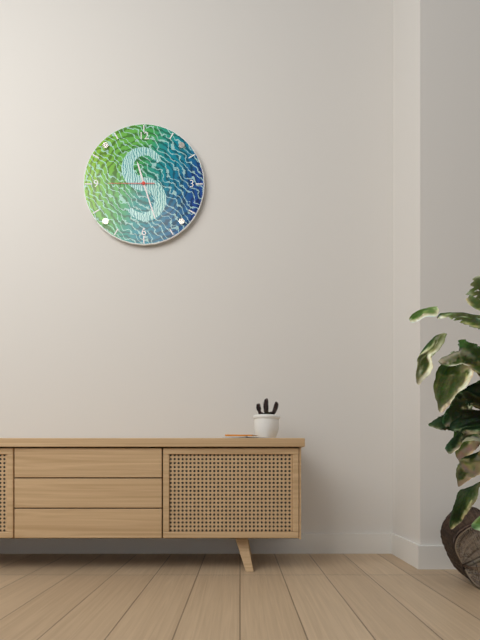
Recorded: 11.27
